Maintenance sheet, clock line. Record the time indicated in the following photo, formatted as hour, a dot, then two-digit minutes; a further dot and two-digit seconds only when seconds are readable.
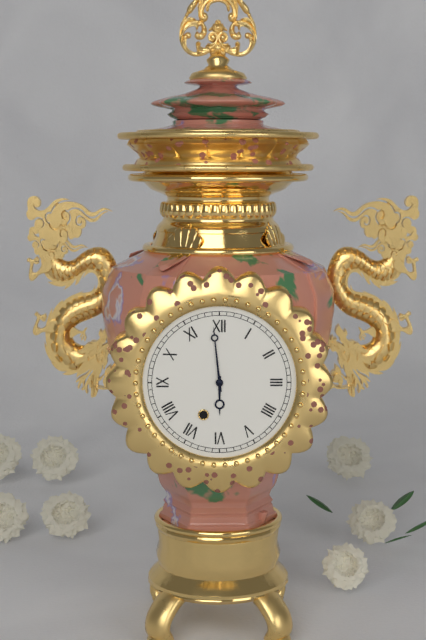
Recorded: 5.59
